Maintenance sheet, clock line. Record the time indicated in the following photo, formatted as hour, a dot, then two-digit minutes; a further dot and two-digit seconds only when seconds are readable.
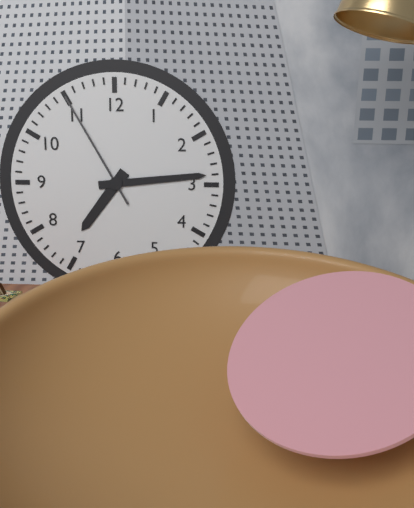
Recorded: 7.14.55
